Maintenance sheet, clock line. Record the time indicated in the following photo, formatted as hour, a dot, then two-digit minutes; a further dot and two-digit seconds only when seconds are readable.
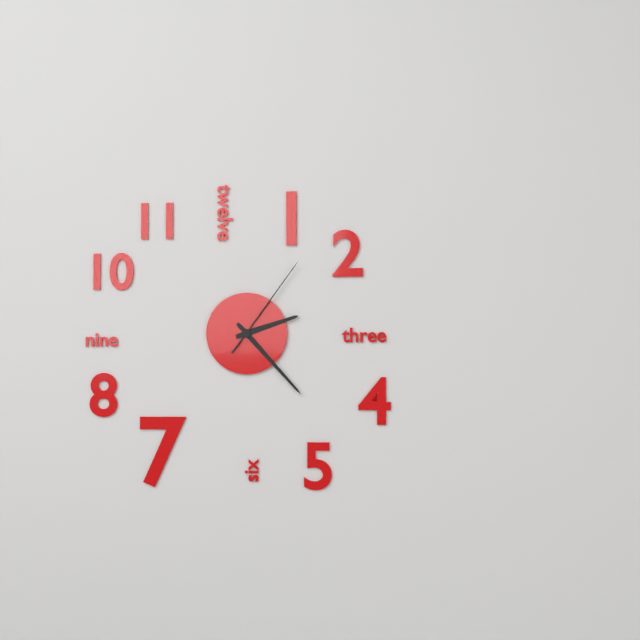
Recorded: 2.23.06
